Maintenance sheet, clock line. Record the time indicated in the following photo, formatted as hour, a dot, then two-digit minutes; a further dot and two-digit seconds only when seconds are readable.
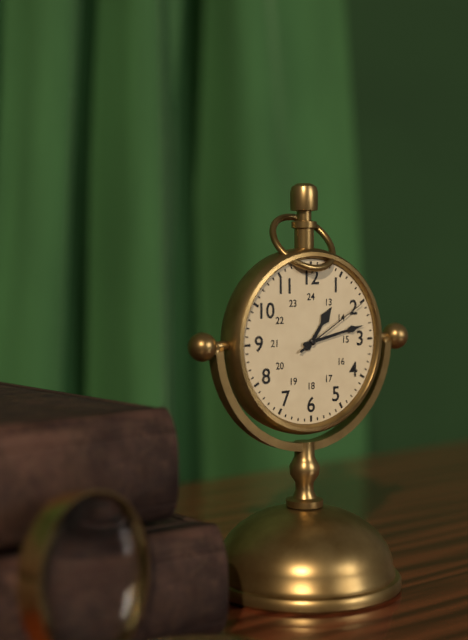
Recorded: 1.13.10
